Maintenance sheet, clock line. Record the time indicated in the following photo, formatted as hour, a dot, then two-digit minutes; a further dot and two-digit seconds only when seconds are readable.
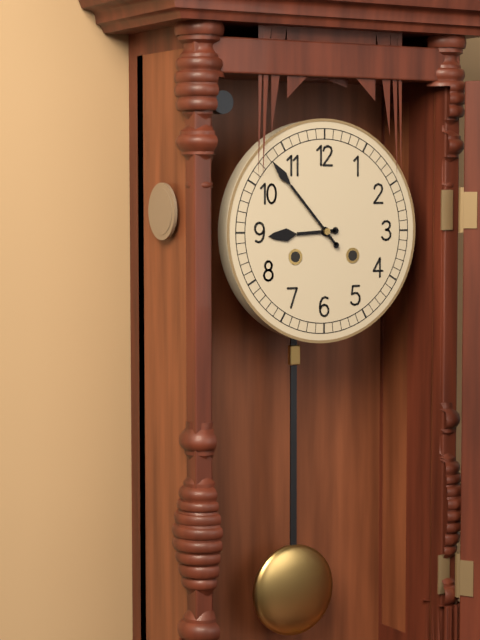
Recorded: 8.53
